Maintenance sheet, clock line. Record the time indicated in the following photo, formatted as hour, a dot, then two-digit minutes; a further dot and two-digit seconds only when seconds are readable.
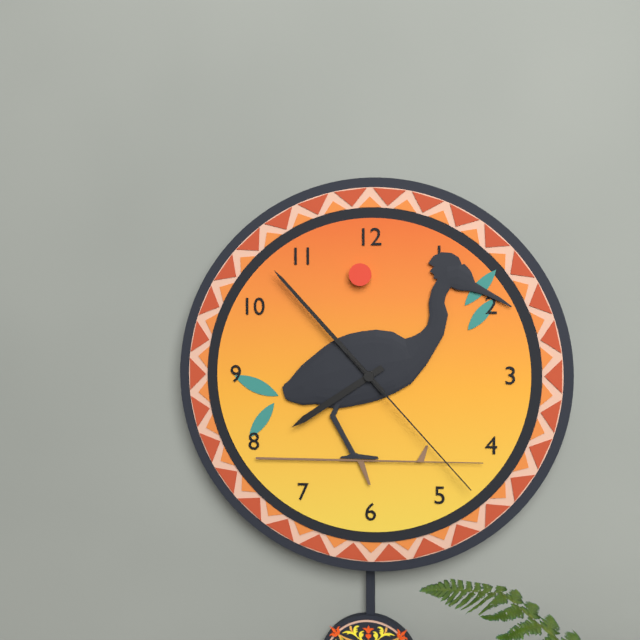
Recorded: 7.53.23
